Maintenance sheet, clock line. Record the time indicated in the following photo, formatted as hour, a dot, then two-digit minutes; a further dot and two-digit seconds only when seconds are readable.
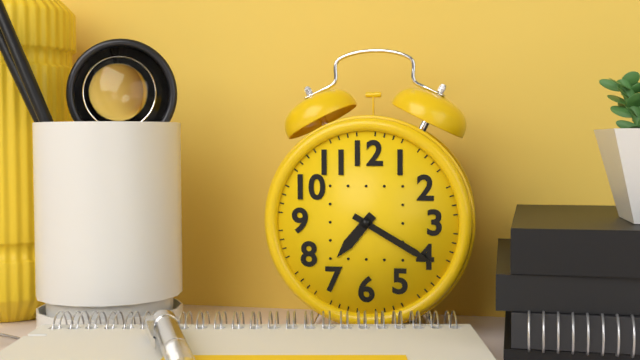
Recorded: 7.20
